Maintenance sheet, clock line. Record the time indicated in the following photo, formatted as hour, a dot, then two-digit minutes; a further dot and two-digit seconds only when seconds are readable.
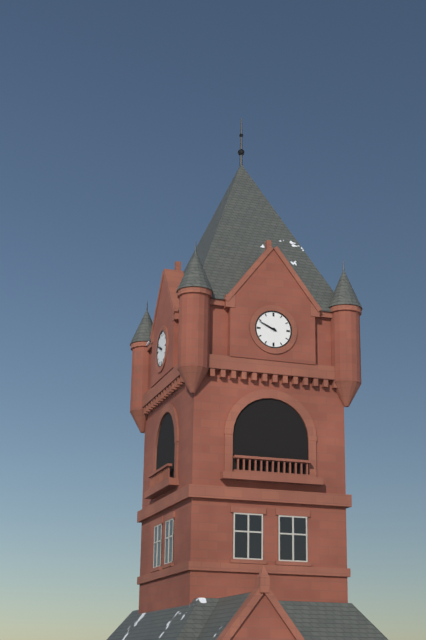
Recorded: 9.49
